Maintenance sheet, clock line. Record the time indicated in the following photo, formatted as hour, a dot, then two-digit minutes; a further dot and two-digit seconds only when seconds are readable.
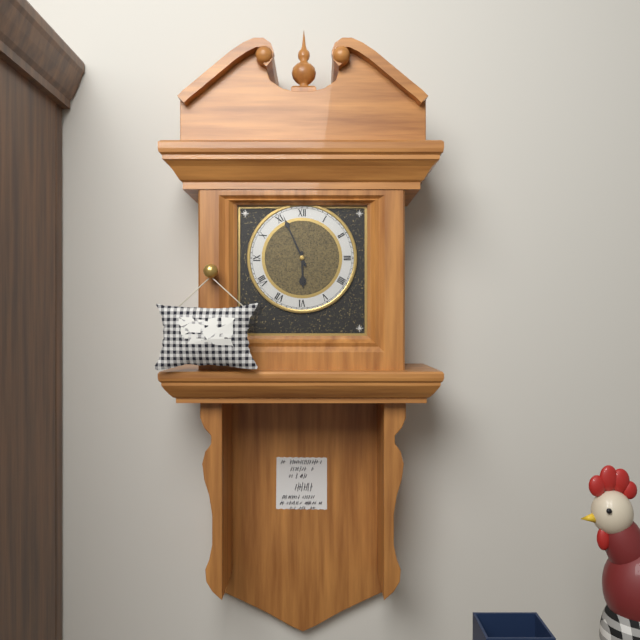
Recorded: 5.56
